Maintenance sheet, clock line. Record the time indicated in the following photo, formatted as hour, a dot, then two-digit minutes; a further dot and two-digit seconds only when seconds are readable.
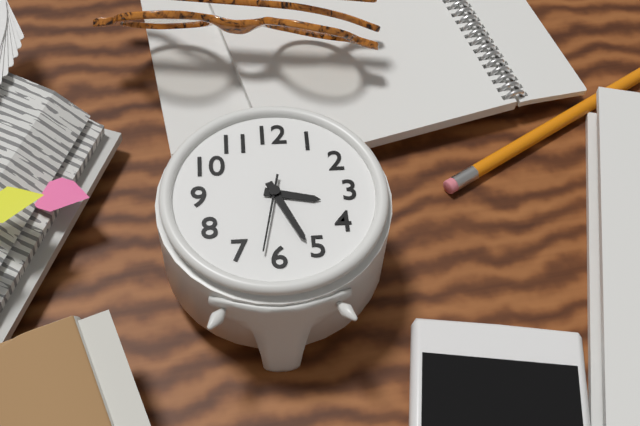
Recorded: 3.26.32
